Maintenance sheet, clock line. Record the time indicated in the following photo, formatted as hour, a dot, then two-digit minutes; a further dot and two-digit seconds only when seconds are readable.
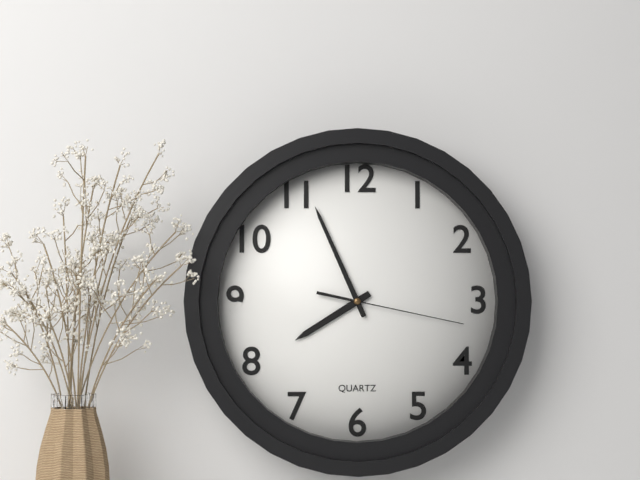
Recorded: 7.56.17
